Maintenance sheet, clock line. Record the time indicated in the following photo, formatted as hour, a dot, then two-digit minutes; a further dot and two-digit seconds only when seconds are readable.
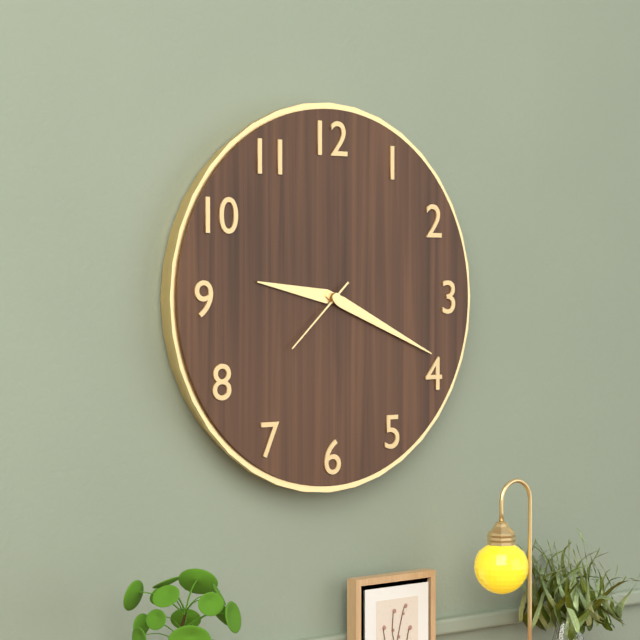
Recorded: 9.19.38
